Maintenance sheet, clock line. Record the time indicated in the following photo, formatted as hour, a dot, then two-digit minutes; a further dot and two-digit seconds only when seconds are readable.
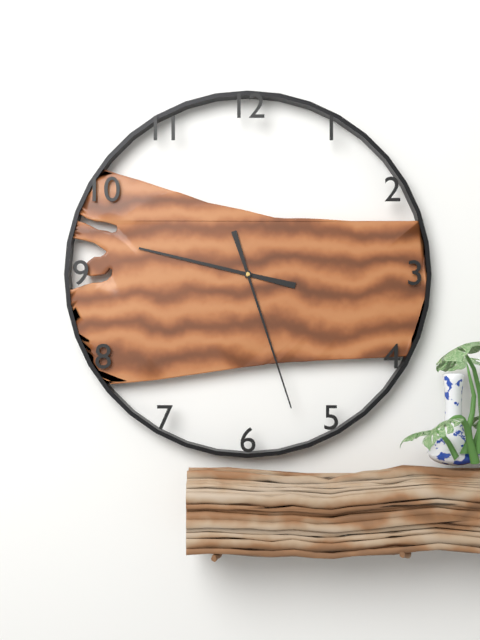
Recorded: 9.27
